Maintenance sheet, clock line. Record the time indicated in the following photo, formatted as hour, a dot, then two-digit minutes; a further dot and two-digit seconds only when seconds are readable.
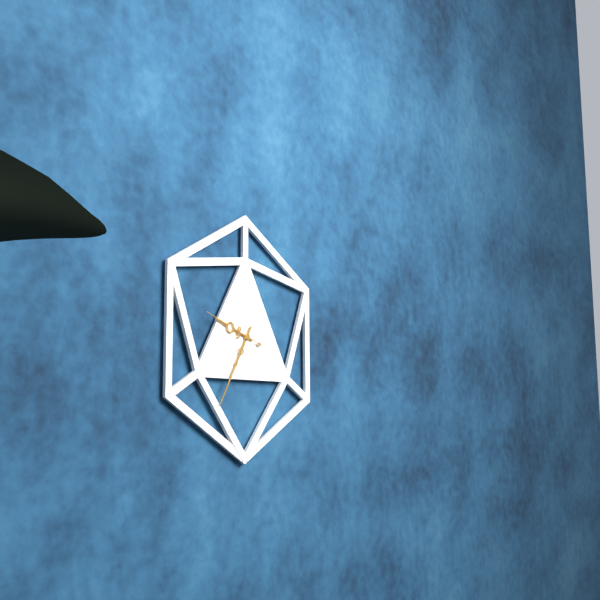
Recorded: 9.35.48
